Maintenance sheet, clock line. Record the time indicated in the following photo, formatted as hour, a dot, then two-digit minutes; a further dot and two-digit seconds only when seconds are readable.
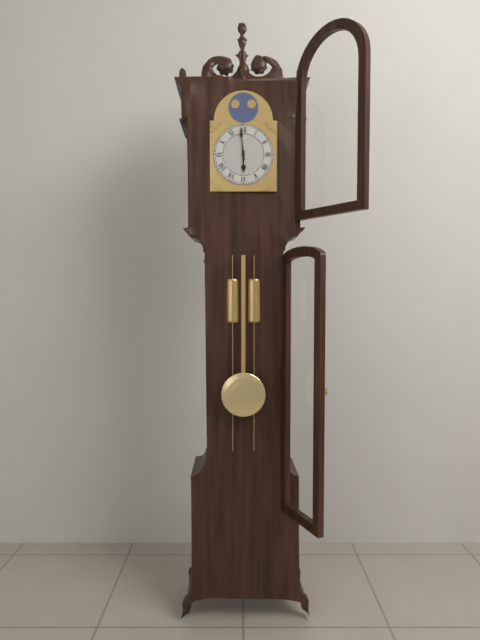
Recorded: 5.59
